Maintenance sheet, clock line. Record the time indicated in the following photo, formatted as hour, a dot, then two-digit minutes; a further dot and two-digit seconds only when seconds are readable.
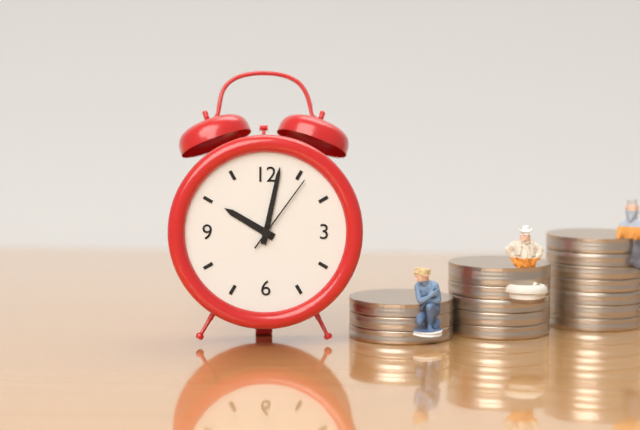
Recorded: 10.02.06
